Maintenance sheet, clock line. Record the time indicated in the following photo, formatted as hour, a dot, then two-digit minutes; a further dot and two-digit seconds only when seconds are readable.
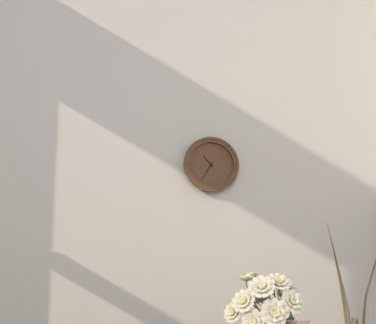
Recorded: 10.35
